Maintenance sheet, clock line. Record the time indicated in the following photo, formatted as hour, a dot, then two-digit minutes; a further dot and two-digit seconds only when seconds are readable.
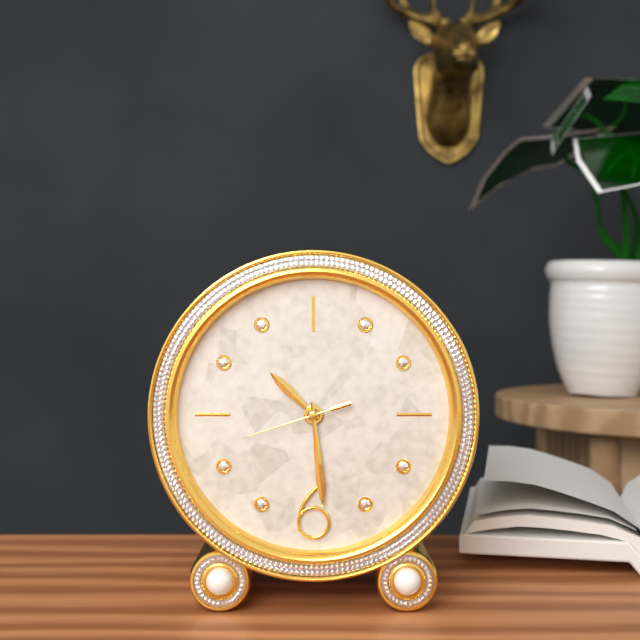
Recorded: 10.29.42
